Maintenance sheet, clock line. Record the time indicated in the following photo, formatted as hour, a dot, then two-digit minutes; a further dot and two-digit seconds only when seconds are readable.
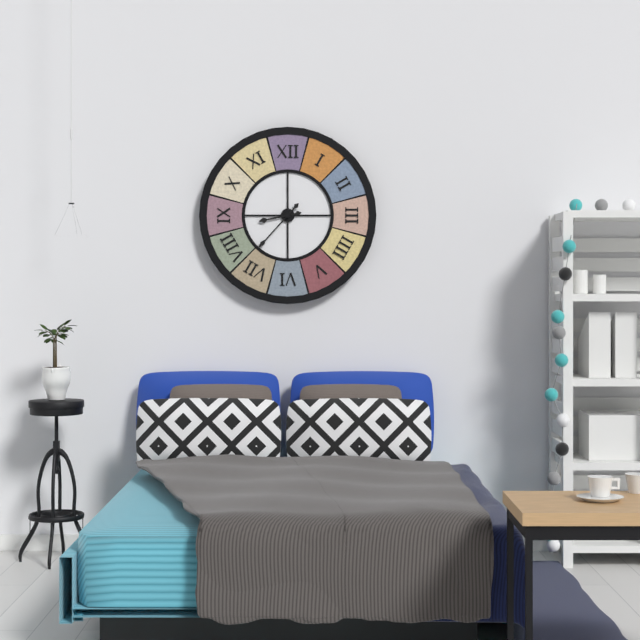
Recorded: 8.37
